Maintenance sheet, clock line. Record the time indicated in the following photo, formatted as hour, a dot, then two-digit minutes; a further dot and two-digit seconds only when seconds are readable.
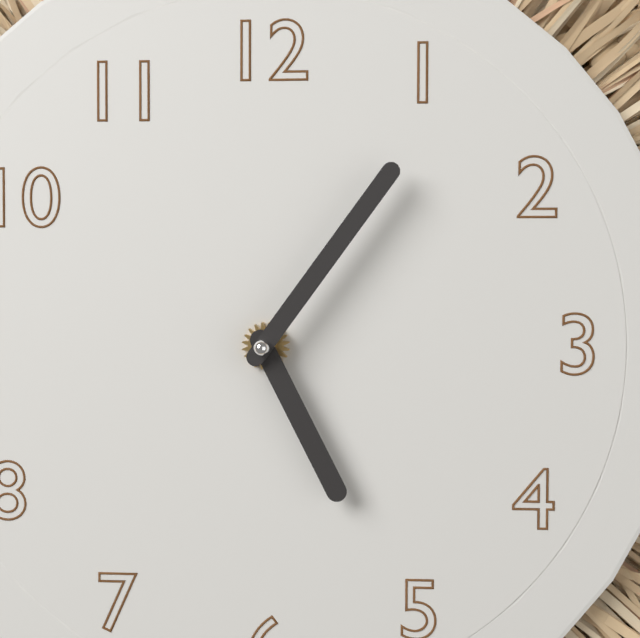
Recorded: 5.06
